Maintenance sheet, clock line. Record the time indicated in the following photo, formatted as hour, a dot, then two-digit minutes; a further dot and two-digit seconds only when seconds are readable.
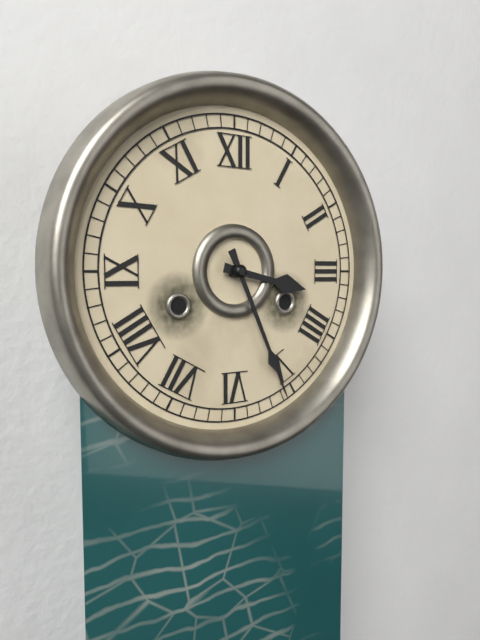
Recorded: 3.26
